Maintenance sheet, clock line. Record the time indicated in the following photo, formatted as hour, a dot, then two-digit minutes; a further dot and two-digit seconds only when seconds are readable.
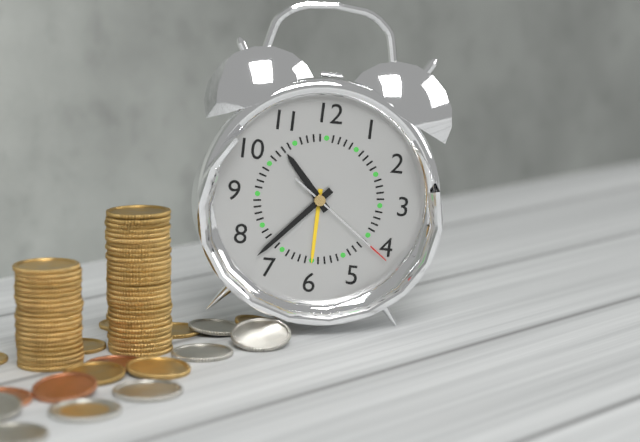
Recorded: 10.37.21
